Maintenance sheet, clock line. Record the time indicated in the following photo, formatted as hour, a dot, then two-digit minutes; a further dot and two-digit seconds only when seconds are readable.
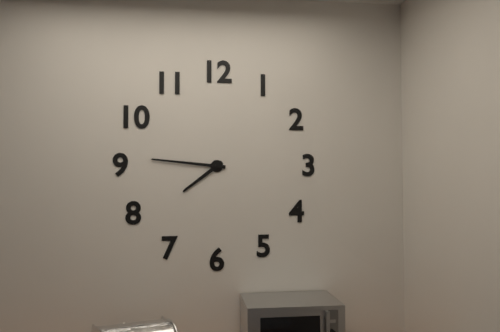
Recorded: 7.46
